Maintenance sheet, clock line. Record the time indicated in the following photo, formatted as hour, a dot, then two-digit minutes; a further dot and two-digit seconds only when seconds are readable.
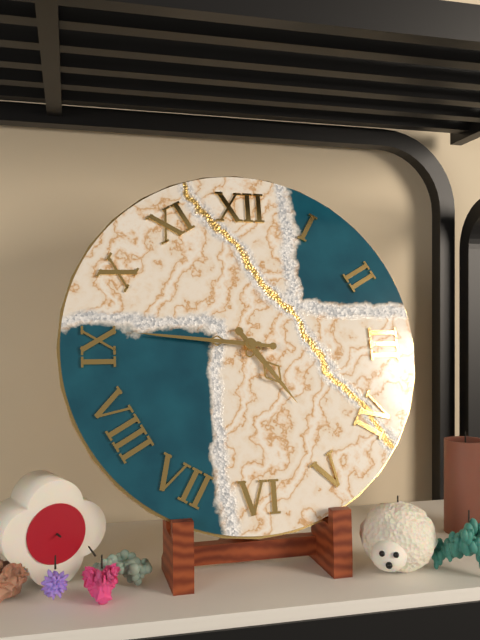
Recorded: 4.46
